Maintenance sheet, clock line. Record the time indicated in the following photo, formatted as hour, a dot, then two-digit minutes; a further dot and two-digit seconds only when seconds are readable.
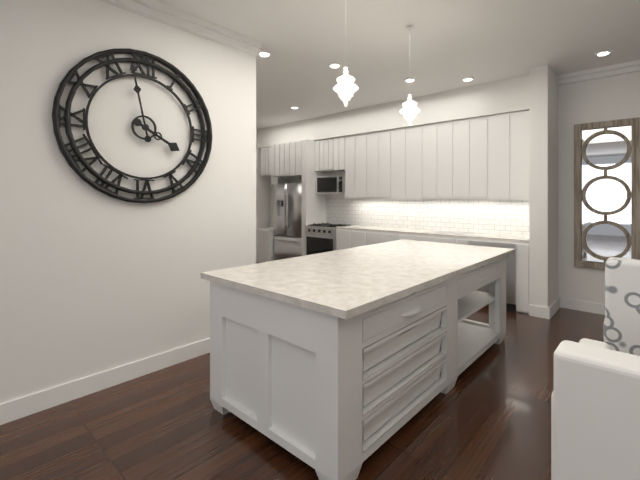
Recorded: 3.58
